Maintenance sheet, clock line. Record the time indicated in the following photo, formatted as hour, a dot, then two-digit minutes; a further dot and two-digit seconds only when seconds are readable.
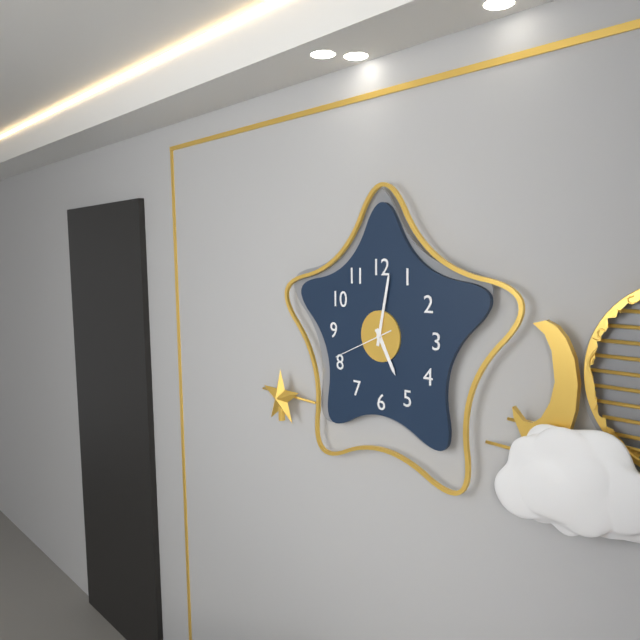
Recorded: 5.02.41
